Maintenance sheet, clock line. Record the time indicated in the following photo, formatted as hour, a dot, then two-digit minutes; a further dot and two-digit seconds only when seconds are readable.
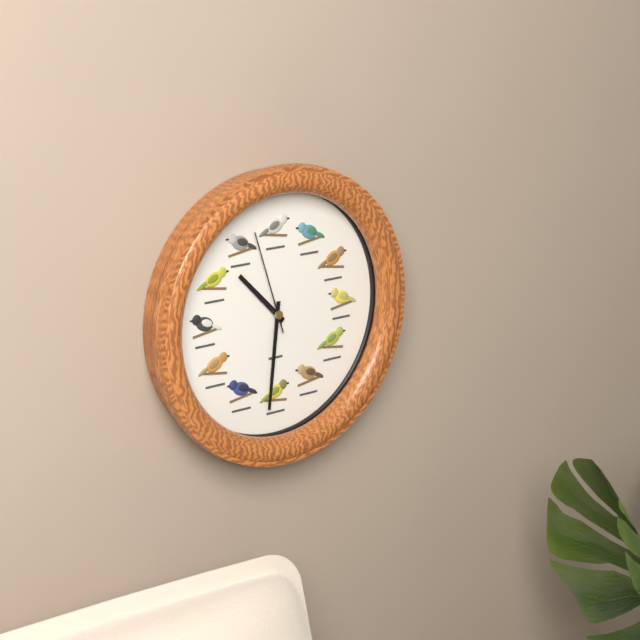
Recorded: 10.31.57
